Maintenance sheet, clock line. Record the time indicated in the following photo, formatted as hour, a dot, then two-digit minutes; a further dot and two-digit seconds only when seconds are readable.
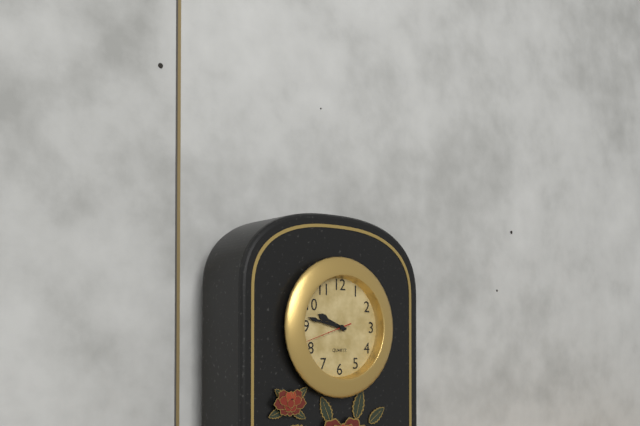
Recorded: 9.47
